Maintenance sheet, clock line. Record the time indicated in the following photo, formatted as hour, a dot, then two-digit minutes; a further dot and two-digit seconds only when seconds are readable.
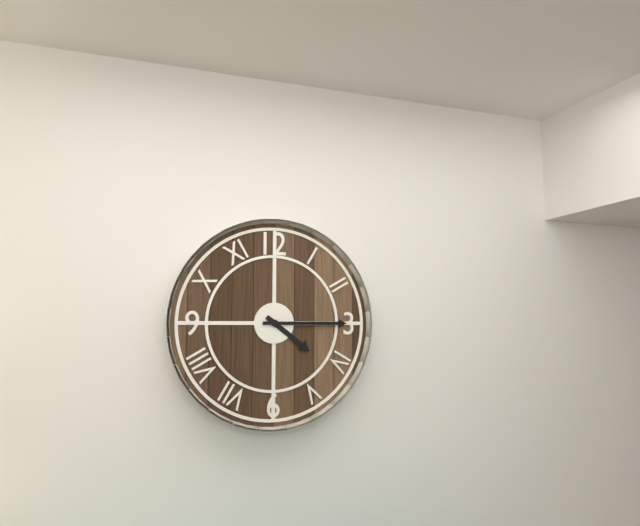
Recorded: 4.15
